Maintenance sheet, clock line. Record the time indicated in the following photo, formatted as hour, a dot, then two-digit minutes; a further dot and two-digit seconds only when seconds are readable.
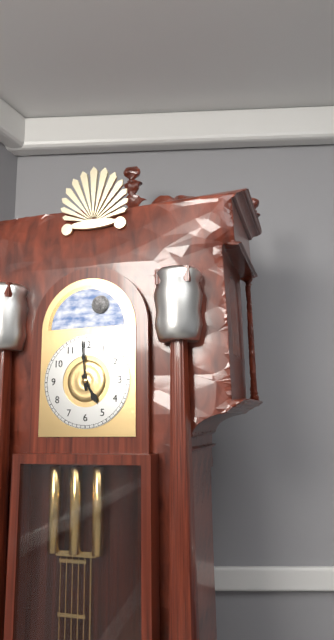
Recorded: 4.59
